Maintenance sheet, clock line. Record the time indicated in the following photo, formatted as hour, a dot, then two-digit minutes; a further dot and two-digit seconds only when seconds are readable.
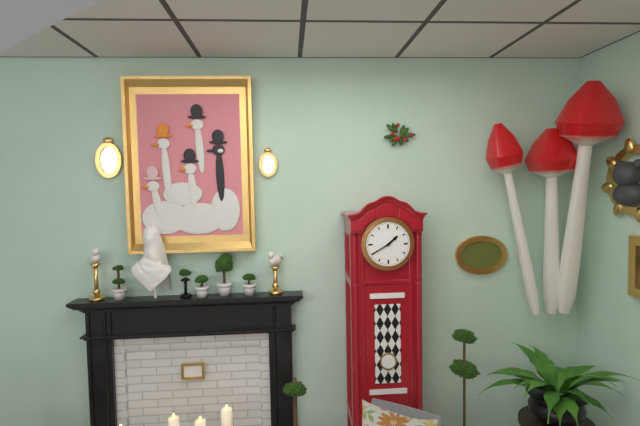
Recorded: 1.40
